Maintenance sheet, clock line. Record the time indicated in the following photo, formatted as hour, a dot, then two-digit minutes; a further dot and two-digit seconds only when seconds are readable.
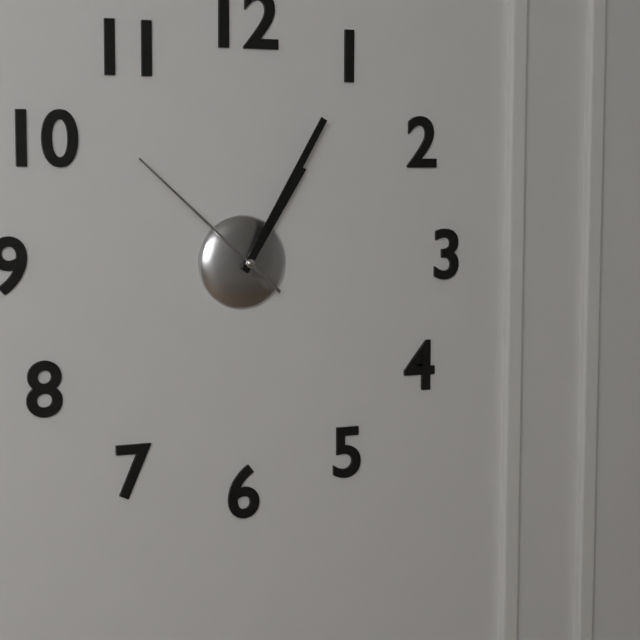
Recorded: 1.05.52
